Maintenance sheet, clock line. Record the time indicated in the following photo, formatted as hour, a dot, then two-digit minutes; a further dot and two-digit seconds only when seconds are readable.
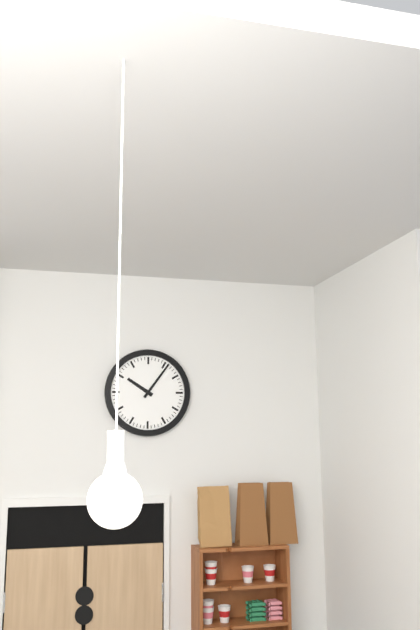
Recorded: 10.06
